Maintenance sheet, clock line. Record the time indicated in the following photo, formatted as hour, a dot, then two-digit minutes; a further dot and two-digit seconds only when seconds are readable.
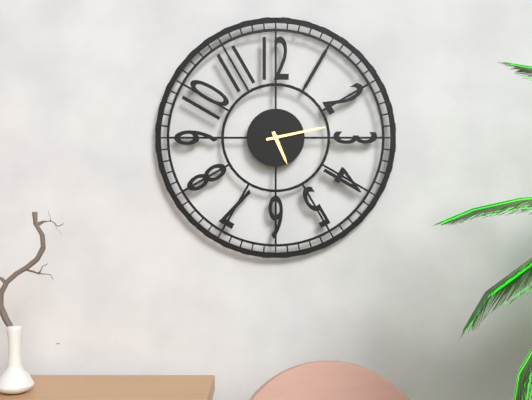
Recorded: 5.13
